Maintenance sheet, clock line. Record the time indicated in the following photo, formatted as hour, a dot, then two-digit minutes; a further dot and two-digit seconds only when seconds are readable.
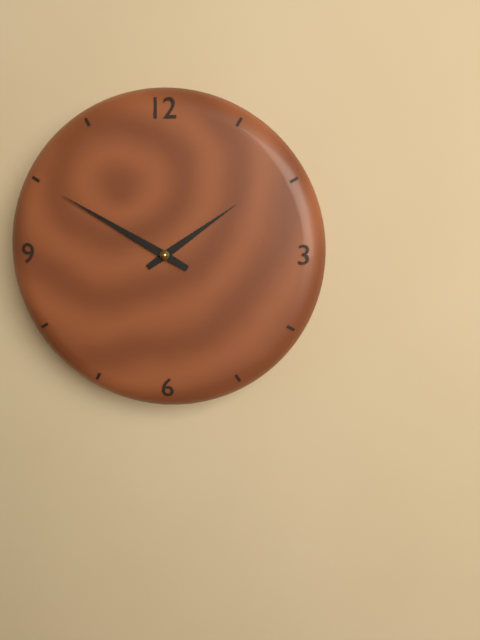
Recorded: 1.50
